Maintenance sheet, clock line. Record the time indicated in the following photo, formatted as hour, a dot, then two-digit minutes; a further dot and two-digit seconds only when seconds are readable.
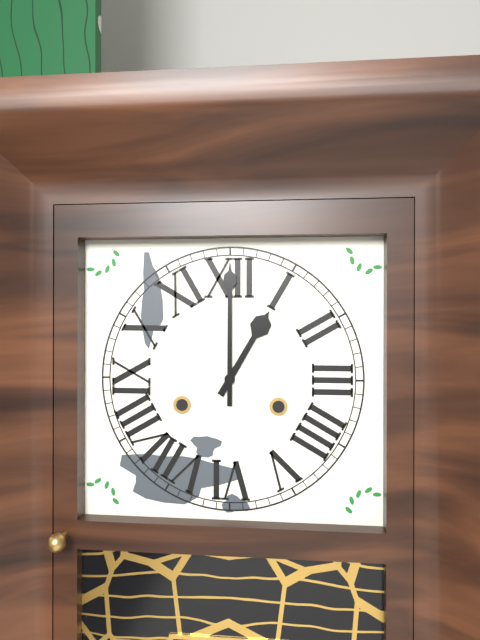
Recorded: 1.00
